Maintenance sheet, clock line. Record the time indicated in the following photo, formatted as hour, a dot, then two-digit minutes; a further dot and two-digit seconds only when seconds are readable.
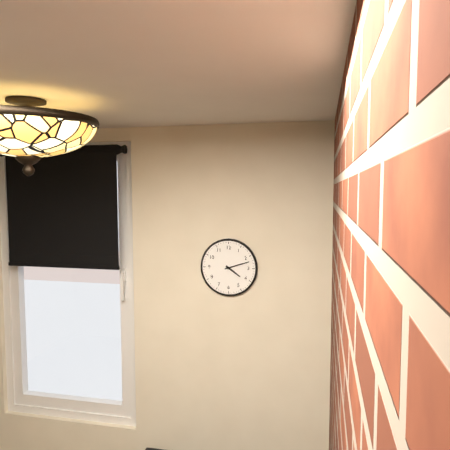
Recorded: 4.12
